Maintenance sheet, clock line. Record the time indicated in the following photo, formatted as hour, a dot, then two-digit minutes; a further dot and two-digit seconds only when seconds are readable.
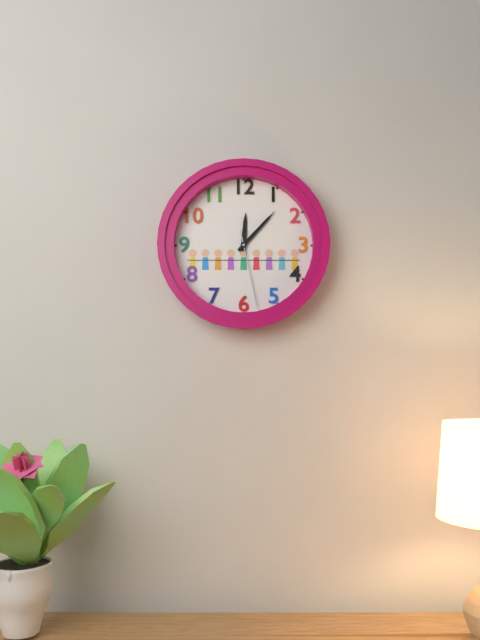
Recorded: 12.07.28
